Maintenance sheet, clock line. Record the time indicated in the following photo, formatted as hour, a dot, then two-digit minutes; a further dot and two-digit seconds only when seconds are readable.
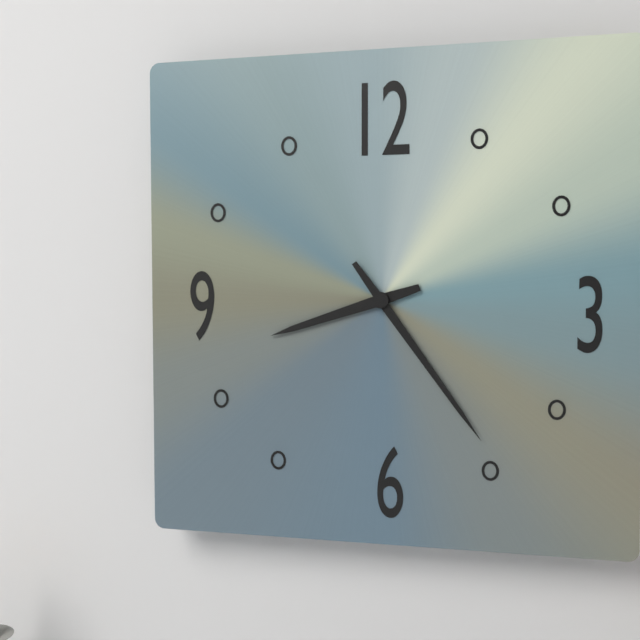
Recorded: 8.24
